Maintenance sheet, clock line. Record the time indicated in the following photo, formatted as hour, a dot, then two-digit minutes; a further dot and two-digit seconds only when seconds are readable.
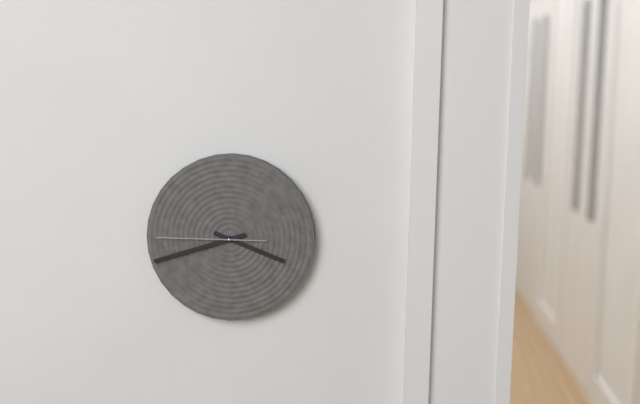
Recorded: 3.42.45
